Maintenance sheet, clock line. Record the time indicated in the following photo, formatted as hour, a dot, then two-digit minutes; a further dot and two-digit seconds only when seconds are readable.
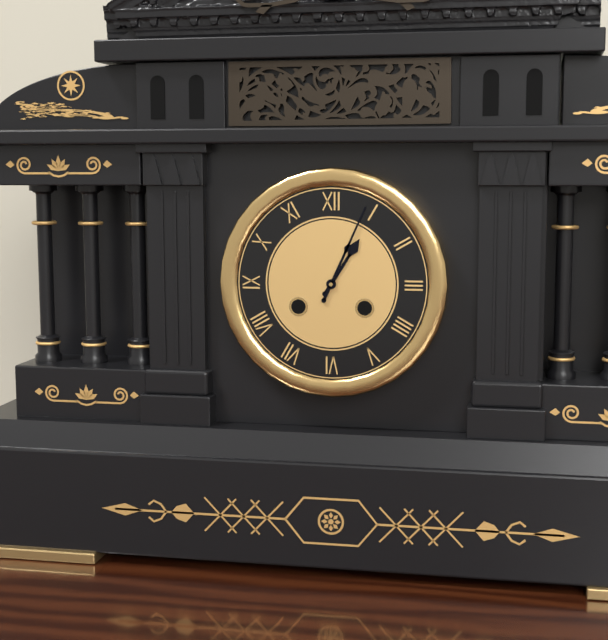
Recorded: 1.04
